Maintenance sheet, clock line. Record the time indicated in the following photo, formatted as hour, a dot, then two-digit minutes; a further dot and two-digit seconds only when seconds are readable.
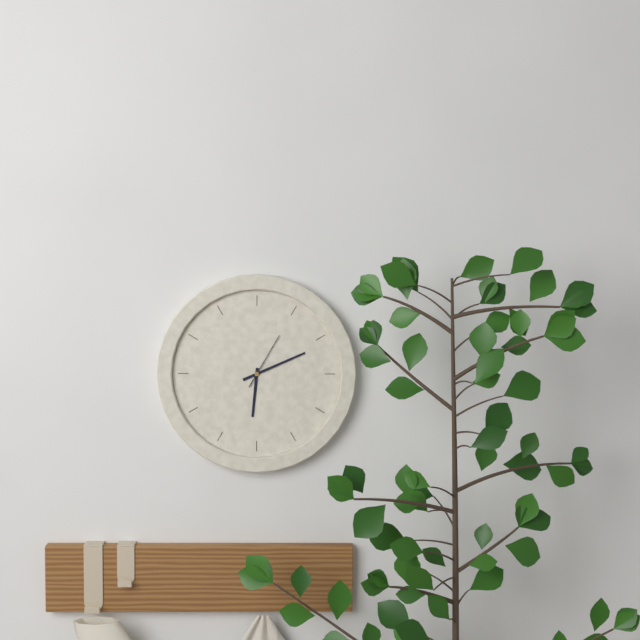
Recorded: 6.11.05
